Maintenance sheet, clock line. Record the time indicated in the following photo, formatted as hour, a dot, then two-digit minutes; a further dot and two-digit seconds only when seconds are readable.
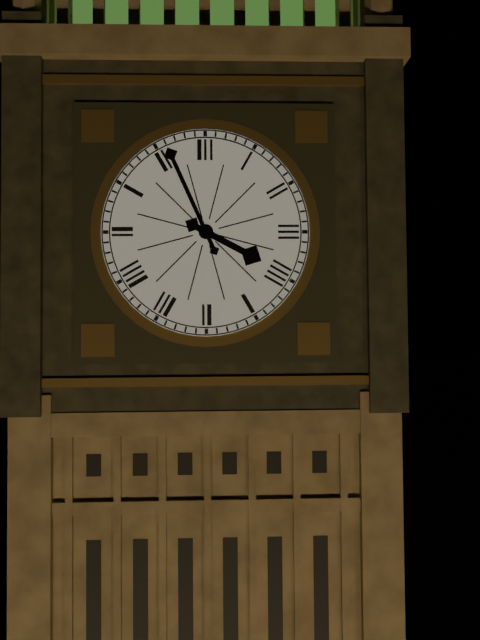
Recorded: 3.56
